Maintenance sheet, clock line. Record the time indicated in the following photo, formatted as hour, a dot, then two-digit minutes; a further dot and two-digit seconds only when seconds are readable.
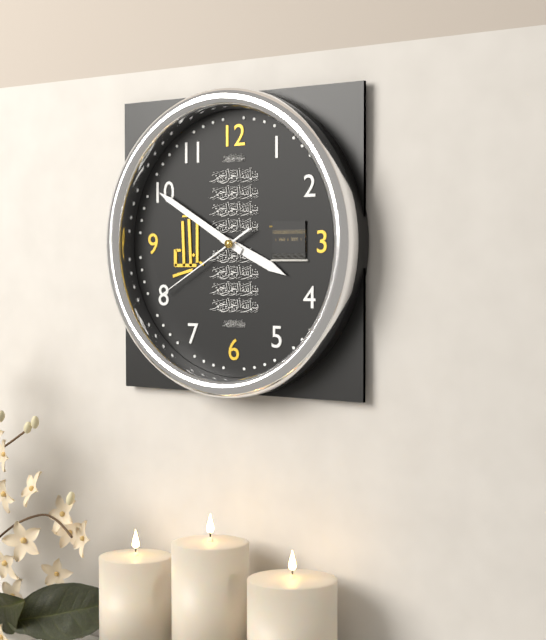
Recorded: 3.50.40
